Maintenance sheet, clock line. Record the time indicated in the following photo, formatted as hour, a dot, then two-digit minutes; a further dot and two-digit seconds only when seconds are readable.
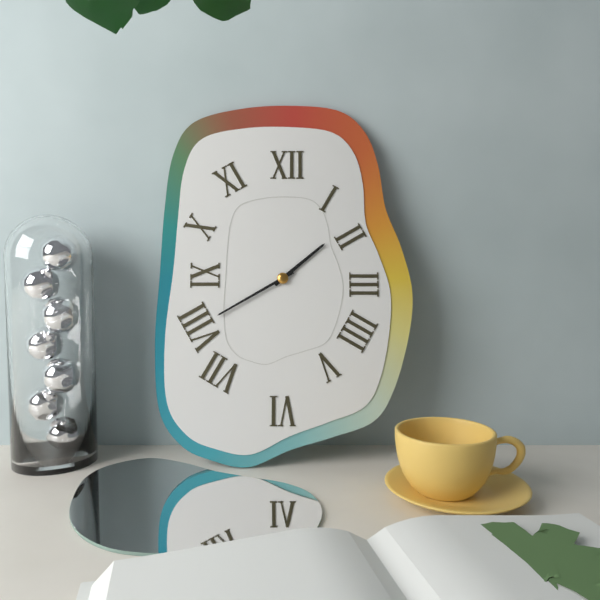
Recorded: 1.40
